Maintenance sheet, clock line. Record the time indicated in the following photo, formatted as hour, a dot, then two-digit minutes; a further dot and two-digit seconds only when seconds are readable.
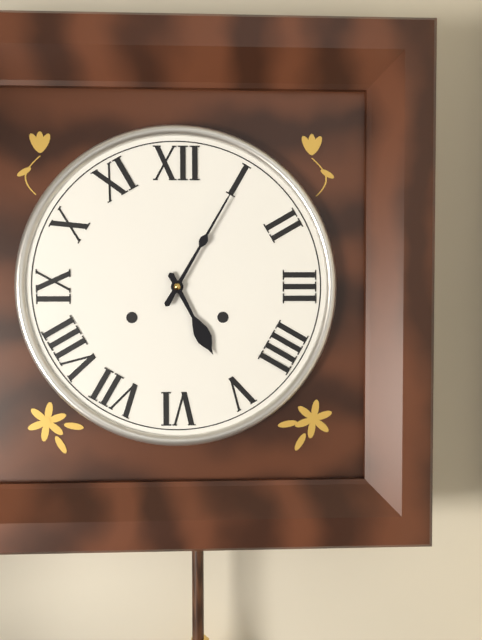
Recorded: 5.05
